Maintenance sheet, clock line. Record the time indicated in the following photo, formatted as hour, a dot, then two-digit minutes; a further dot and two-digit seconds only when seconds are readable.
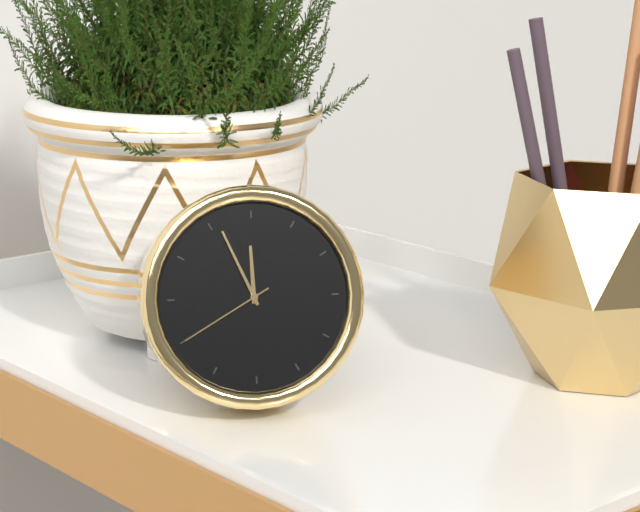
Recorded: 11.56.40
